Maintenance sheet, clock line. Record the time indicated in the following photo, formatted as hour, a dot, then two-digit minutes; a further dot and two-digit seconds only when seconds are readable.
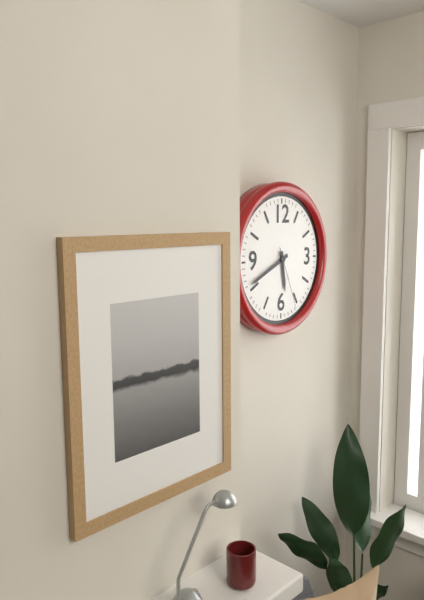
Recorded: 5.41.26
